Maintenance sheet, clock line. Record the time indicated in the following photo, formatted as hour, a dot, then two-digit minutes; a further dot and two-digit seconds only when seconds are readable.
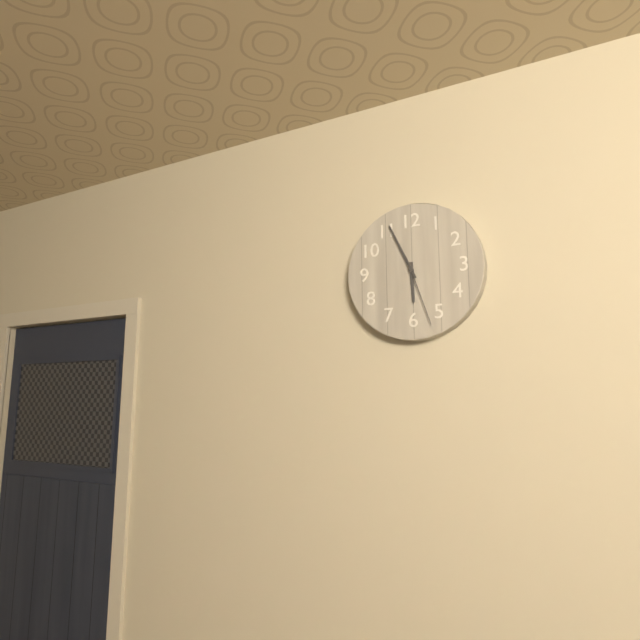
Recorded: 5.56.27
